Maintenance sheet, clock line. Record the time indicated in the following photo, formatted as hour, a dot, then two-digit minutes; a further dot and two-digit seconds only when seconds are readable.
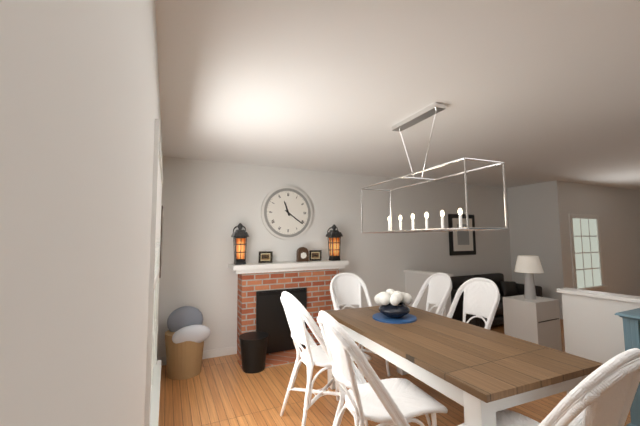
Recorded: 11.21
